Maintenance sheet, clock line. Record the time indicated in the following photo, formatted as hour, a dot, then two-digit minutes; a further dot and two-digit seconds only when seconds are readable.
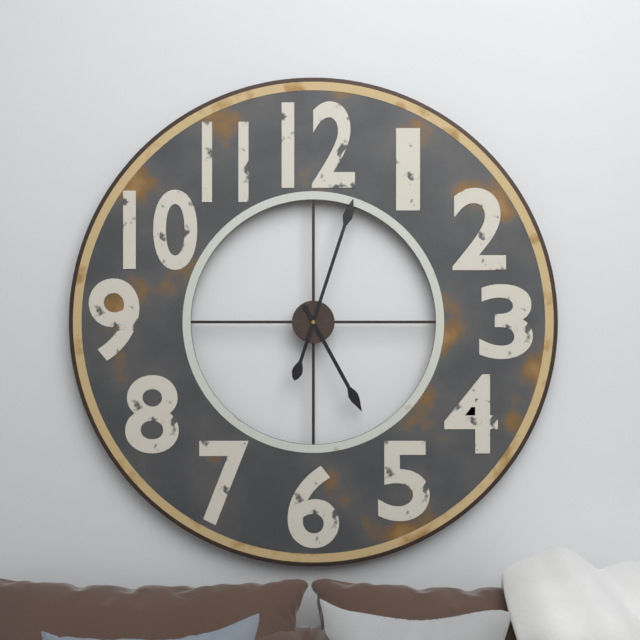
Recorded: 5.03
